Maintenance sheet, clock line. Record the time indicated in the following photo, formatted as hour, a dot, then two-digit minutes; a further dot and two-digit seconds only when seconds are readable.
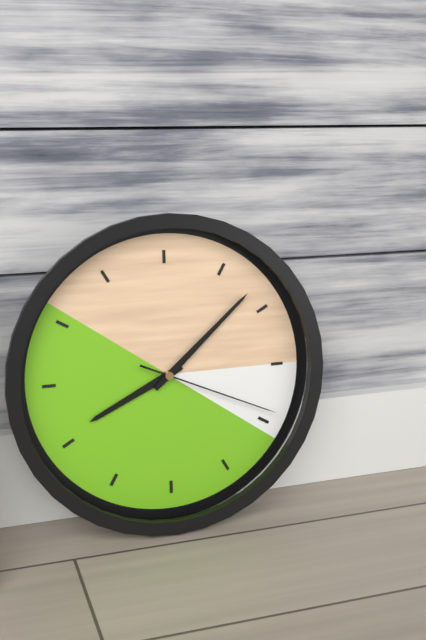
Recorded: 8.08.19
